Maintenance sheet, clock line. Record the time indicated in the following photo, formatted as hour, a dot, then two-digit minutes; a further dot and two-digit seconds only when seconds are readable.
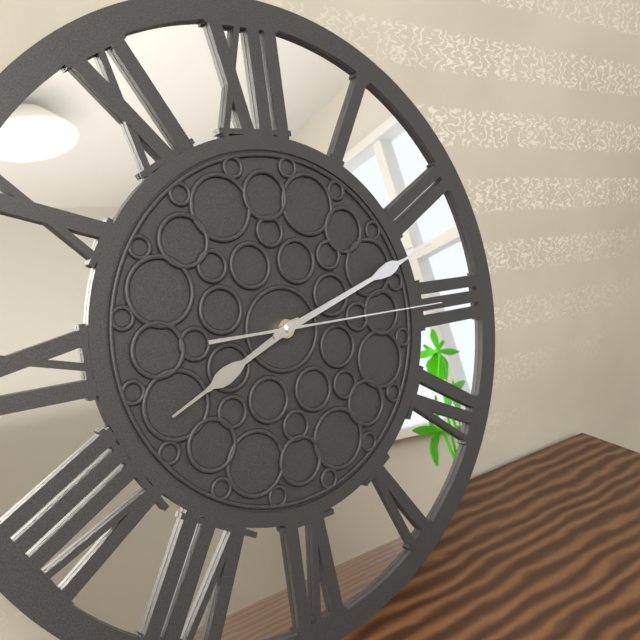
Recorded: 8.12.15
